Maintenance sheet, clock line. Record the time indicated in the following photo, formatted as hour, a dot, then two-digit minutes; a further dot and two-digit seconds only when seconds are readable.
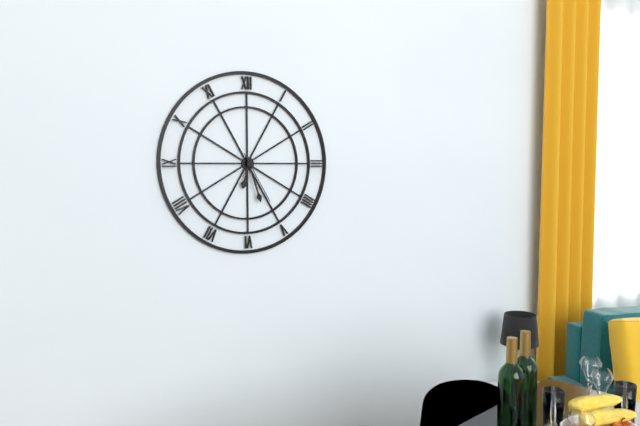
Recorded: 6.27.25
